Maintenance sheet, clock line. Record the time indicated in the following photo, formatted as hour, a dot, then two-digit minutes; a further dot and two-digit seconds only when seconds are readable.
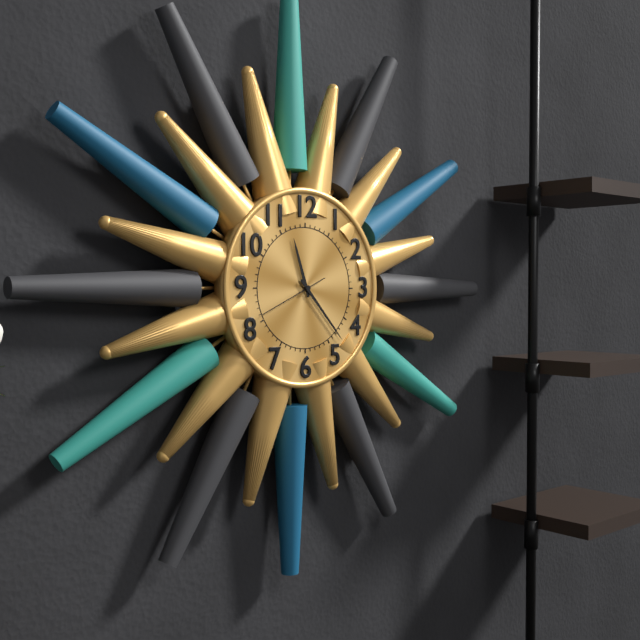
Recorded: 11.23.41
